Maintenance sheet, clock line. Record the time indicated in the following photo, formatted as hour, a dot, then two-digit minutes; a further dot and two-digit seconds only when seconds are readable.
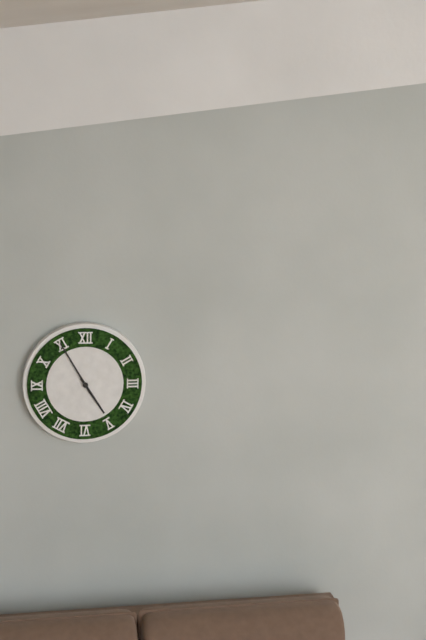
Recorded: 4.55
